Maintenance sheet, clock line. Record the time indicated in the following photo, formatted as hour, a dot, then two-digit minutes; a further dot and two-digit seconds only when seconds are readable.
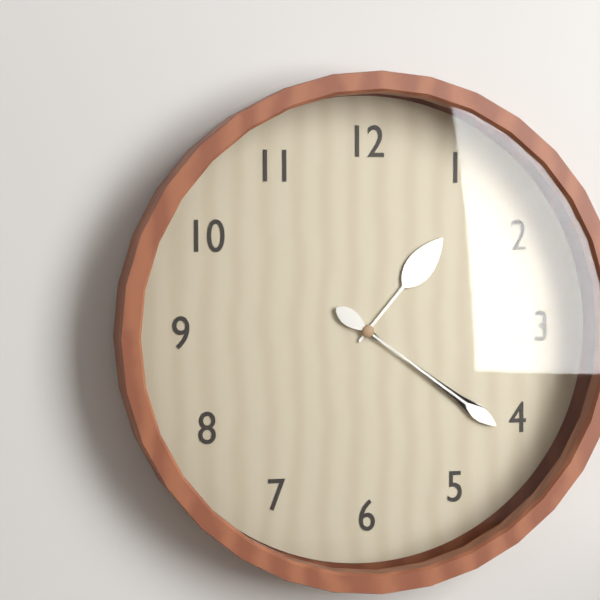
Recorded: 1.21
